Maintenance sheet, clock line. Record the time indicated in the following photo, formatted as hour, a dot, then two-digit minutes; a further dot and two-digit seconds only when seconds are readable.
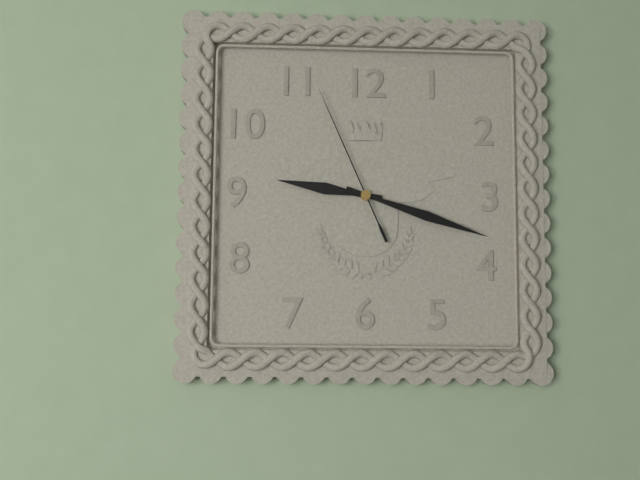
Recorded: 9.18.56
